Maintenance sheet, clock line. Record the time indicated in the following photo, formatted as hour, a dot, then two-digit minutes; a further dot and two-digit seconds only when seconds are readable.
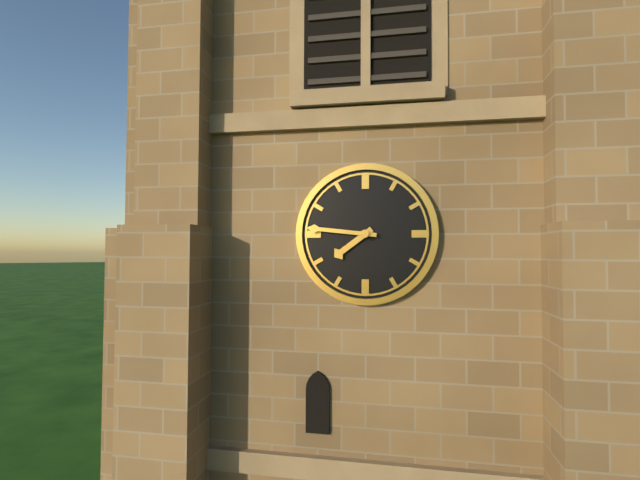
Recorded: 7.46
